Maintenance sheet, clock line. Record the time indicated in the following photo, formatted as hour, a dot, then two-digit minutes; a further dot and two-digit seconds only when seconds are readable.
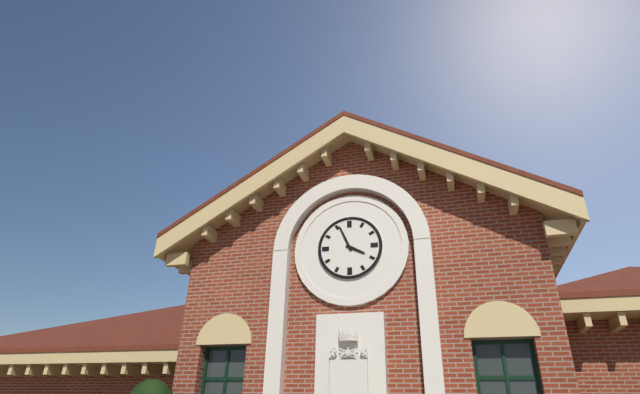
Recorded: 3.56
